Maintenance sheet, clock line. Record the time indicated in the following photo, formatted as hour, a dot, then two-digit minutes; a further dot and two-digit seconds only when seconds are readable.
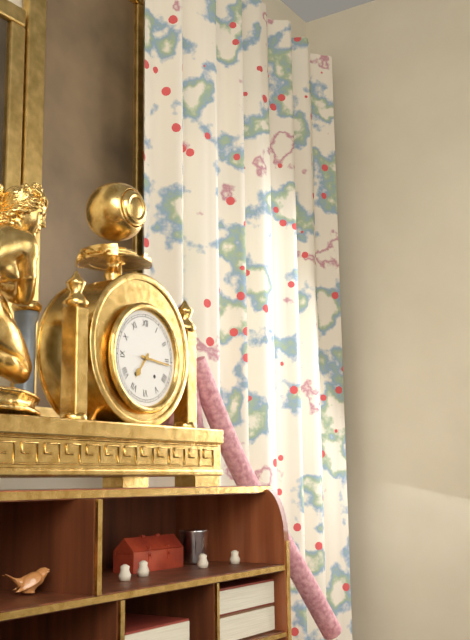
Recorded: 7.16
